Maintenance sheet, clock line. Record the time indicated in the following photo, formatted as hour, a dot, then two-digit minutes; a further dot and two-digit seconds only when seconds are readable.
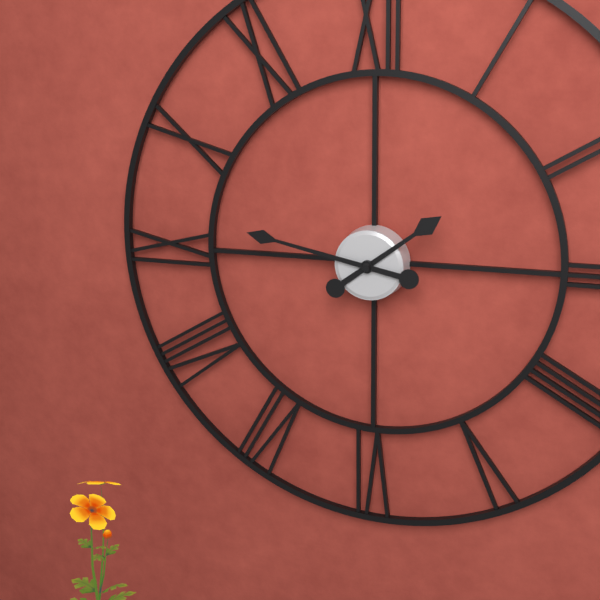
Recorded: 1.47
